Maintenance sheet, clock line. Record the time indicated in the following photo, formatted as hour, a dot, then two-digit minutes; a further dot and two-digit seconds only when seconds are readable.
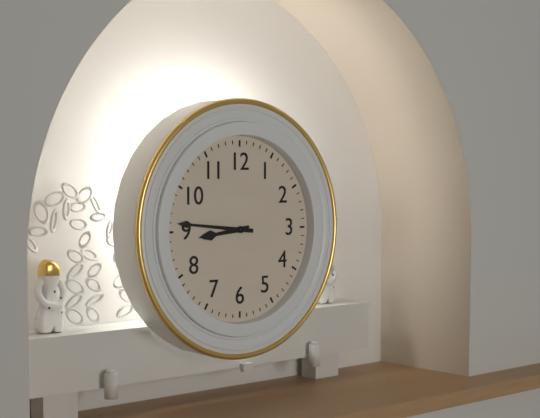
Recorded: 8.46
